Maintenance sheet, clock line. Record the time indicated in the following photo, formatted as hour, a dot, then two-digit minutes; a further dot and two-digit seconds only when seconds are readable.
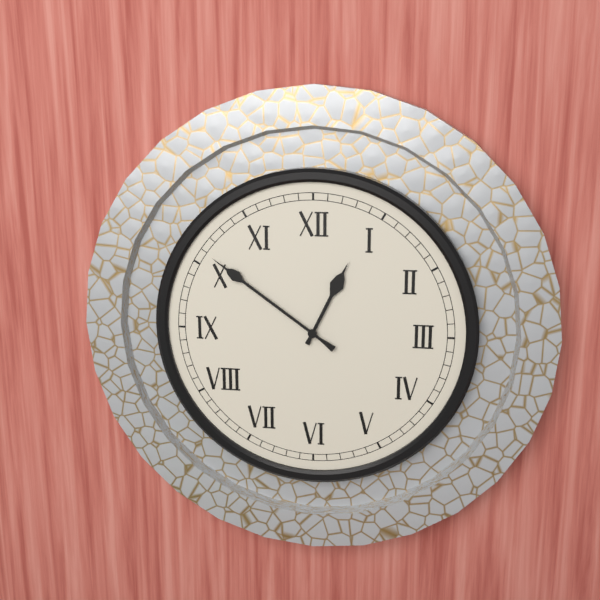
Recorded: 12.51
